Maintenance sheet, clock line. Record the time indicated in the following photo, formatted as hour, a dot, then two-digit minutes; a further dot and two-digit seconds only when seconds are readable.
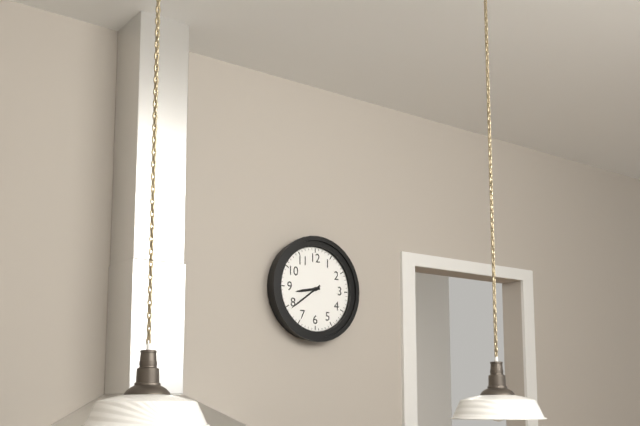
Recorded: 8.39
